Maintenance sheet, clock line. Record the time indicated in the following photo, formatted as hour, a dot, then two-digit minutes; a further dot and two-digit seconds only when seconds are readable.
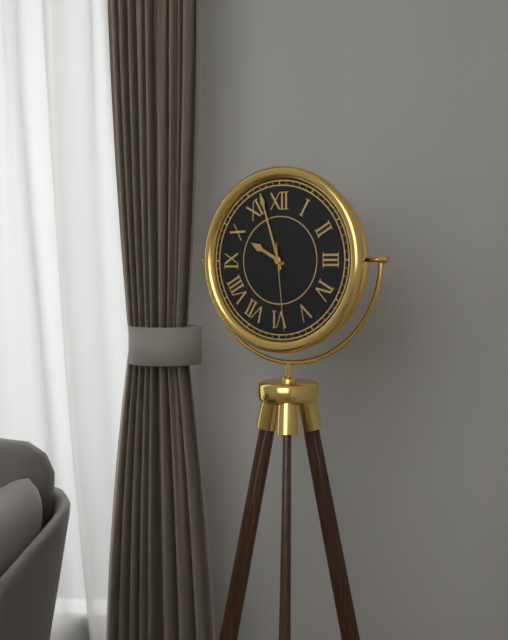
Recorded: 9.57.29
